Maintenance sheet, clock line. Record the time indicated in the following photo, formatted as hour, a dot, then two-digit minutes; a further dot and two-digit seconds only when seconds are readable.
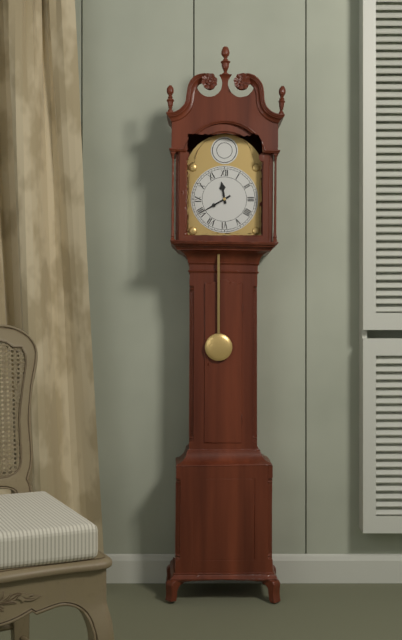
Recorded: 11.40
